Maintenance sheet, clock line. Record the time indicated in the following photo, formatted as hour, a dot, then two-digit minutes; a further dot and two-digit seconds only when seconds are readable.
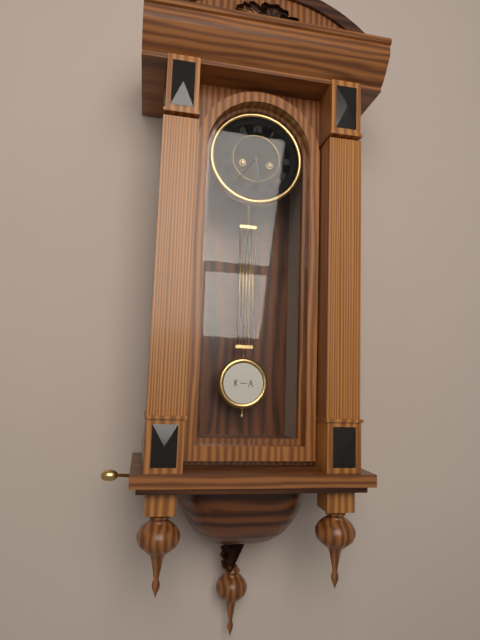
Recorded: 5.36
